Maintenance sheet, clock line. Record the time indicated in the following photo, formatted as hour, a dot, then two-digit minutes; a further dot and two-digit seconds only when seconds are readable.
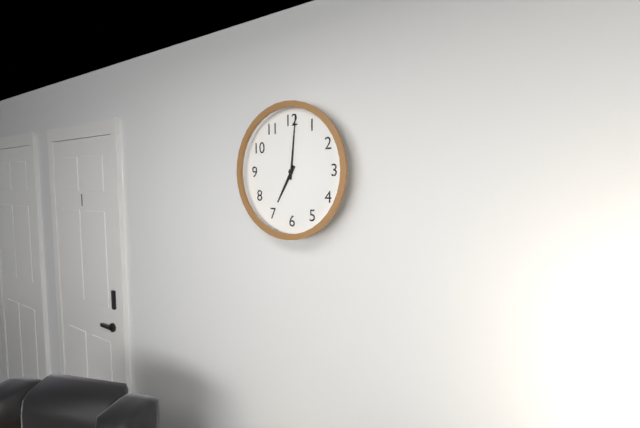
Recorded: 7.01
